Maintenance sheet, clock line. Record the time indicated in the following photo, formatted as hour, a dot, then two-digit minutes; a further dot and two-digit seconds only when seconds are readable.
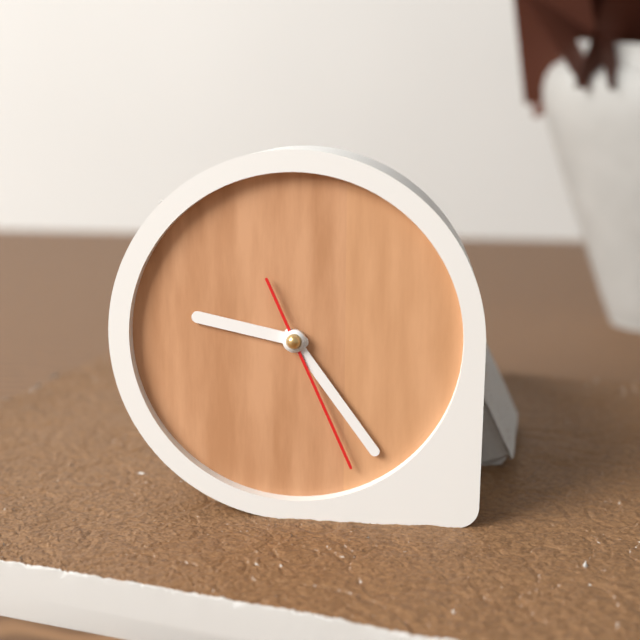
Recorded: 9.24.26
